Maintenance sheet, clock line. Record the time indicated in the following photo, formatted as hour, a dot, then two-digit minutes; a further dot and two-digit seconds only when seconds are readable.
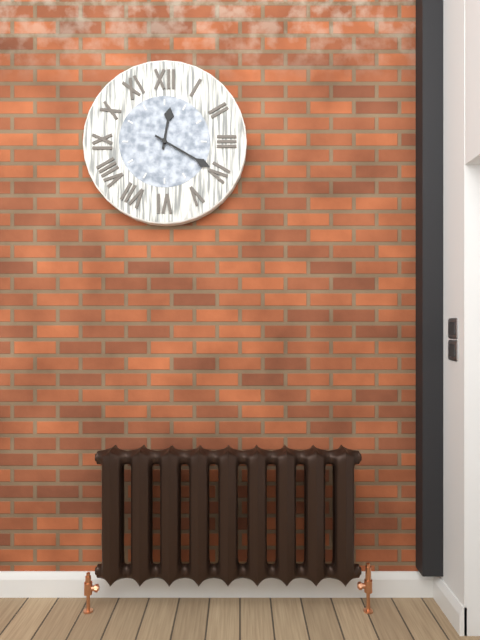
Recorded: 12.20
